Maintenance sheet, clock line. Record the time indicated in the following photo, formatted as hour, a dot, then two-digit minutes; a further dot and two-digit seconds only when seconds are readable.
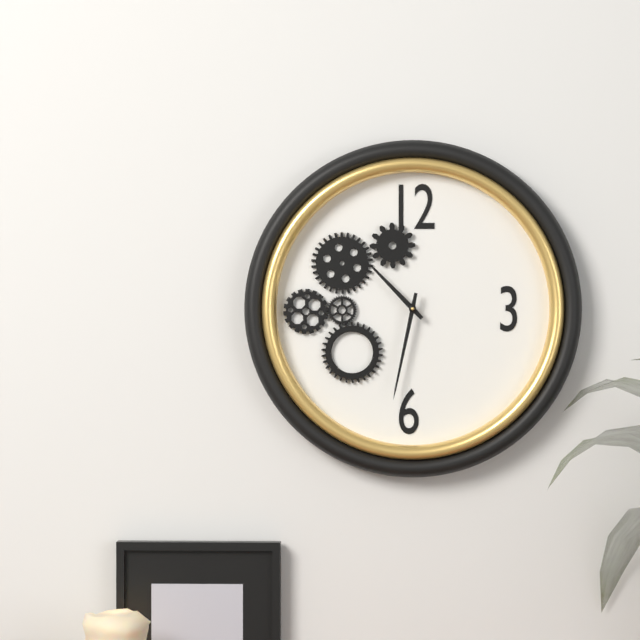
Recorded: 10.32
